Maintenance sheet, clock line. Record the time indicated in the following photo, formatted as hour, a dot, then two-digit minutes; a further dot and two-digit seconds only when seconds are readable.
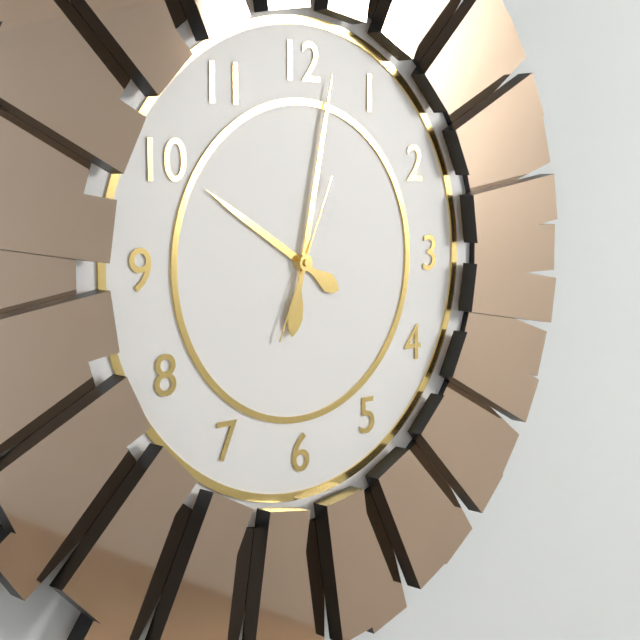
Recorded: 10.02.04
